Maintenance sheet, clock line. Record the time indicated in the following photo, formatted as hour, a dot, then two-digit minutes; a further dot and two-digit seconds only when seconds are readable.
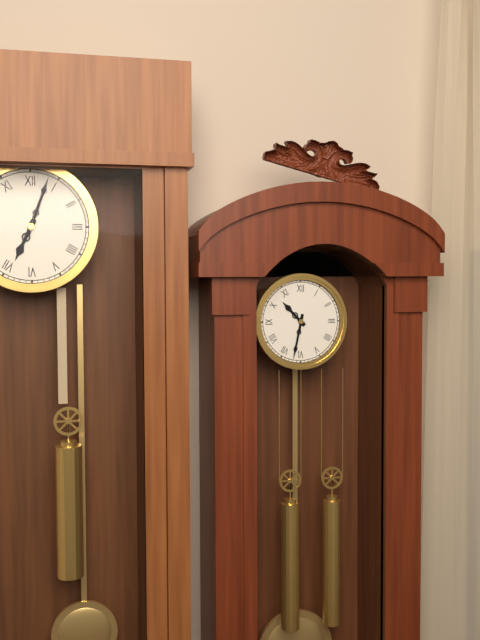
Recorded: 10.32
